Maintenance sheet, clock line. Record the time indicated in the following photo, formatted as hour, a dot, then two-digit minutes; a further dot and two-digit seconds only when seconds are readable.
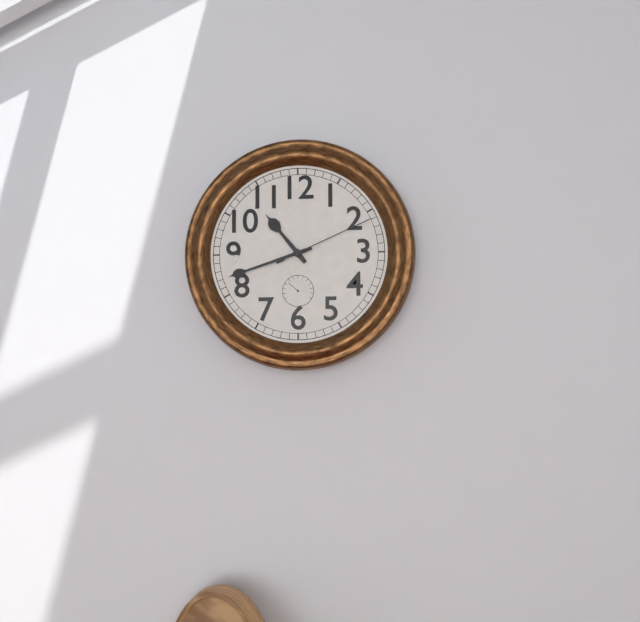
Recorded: 10.42.11
